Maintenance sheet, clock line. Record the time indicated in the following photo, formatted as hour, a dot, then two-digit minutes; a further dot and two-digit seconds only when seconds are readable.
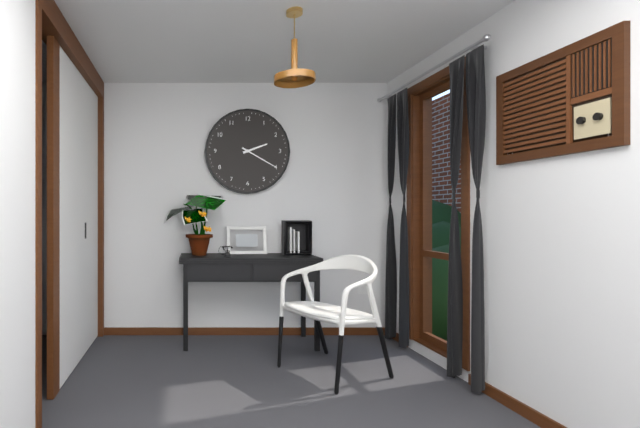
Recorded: 2.20
